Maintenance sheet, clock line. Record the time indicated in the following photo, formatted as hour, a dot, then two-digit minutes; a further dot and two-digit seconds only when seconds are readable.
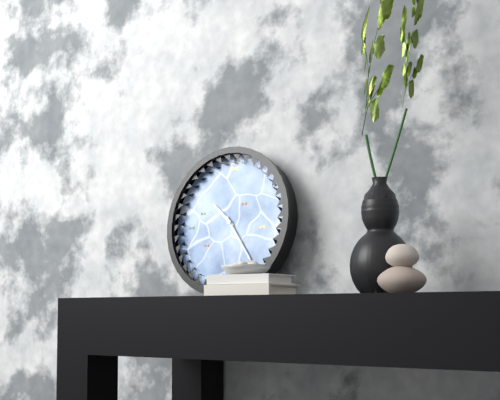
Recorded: 10.24
